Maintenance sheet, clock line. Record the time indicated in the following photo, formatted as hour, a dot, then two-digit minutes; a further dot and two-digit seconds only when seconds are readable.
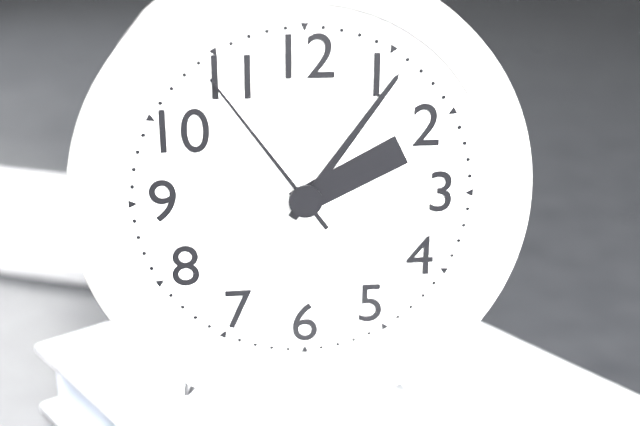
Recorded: 2.06.54
